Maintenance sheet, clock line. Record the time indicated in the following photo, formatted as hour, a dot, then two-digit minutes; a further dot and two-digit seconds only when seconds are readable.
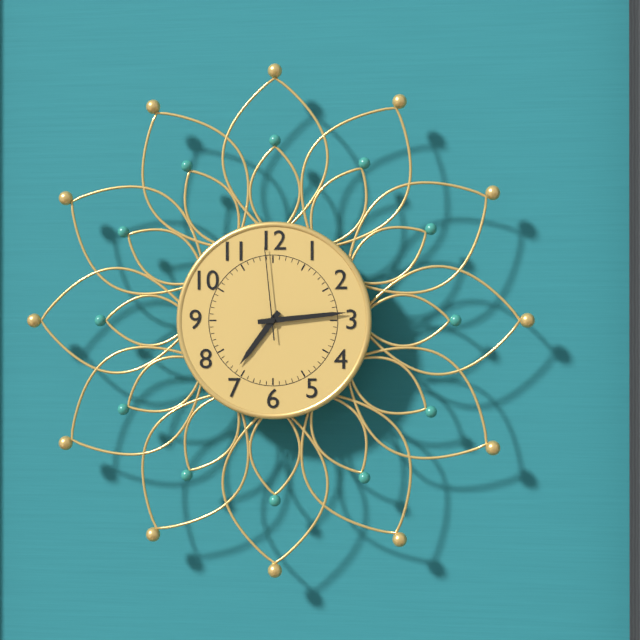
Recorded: 7.14.59
